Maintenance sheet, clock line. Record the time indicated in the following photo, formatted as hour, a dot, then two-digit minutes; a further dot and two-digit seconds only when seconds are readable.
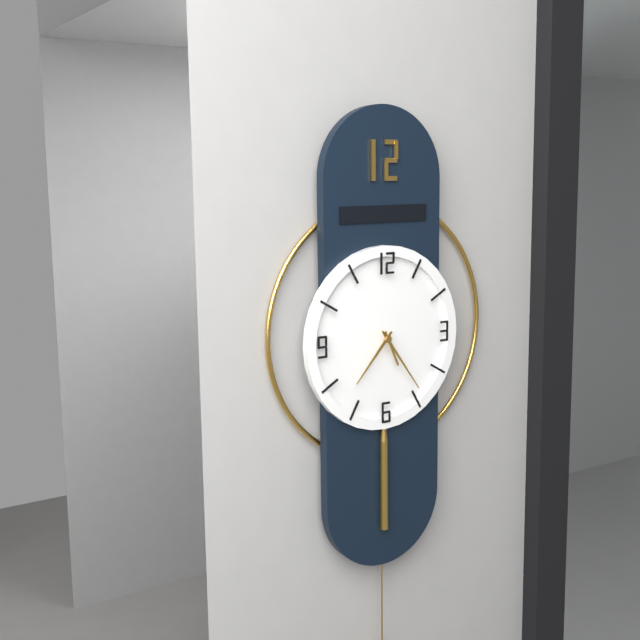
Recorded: 7.24
